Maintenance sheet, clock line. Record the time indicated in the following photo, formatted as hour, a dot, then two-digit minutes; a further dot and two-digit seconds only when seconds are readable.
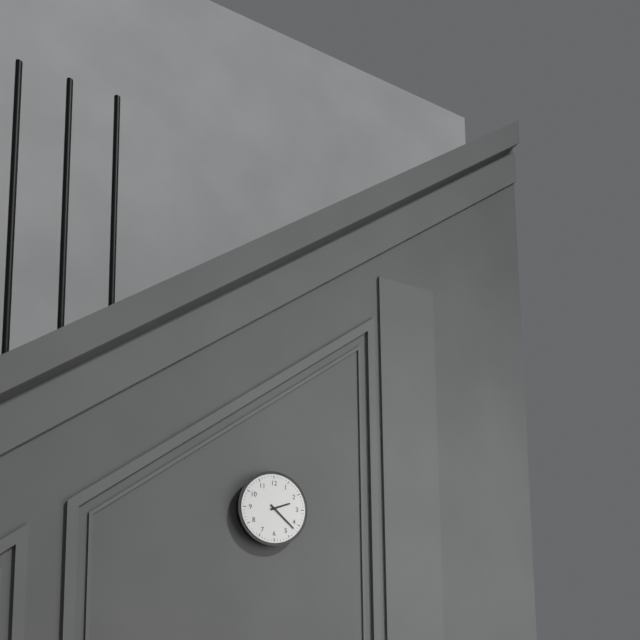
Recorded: 2.22
